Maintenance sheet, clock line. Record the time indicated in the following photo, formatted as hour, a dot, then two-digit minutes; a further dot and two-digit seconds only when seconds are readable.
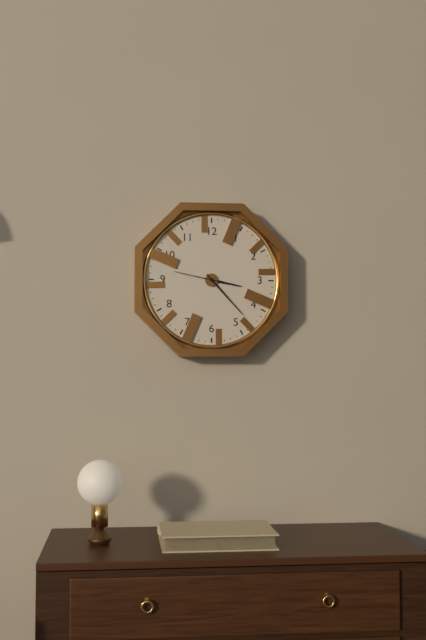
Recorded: 3.23.47
